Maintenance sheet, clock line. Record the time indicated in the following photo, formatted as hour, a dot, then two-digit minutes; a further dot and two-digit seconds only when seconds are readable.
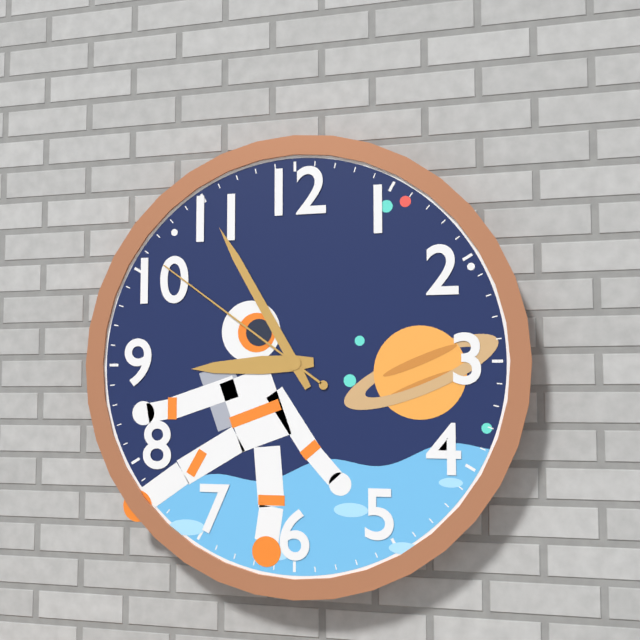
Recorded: 8.55.51
